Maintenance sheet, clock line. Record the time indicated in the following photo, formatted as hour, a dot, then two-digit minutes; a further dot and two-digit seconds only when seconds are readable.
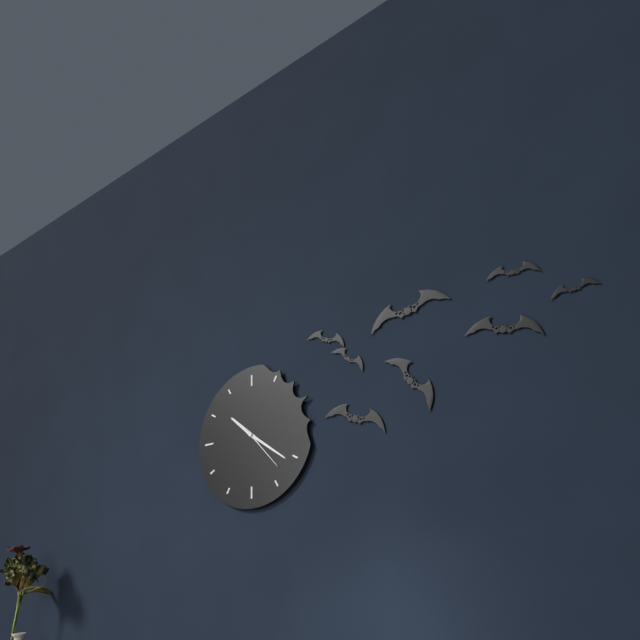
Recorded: 10.21.23
